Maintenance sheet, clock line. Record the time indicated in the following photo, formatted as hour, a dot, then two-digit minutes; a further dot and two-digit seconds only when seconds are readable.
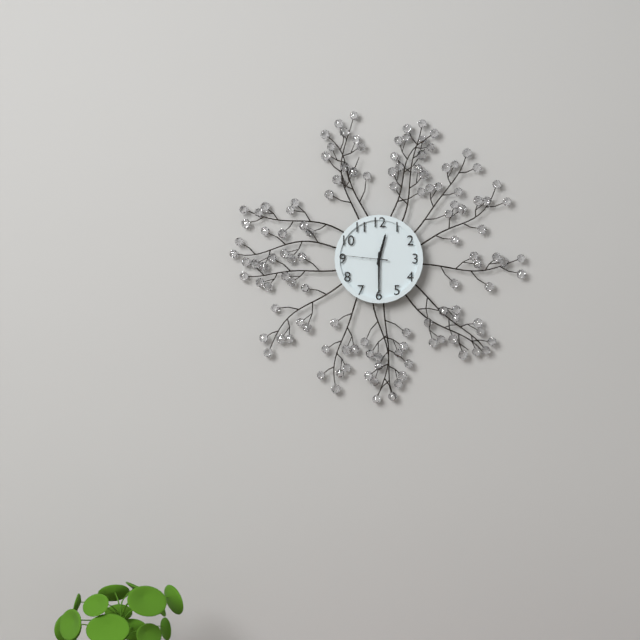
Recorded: 12.30
